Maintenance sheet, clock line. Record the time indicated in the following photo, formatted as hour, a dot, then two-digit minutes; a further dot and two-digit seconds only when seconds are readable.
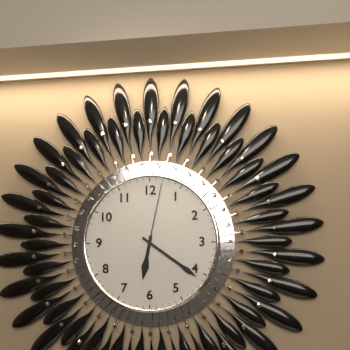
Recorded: 6.21.02
